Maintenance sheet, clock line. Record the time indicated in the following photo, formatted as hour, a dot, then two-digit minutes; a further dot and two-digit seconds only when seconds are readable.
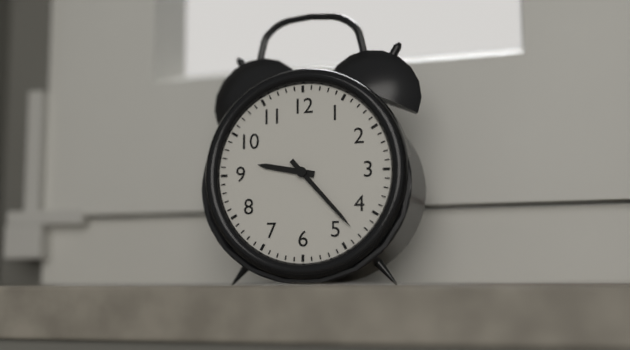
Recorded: 9.23
